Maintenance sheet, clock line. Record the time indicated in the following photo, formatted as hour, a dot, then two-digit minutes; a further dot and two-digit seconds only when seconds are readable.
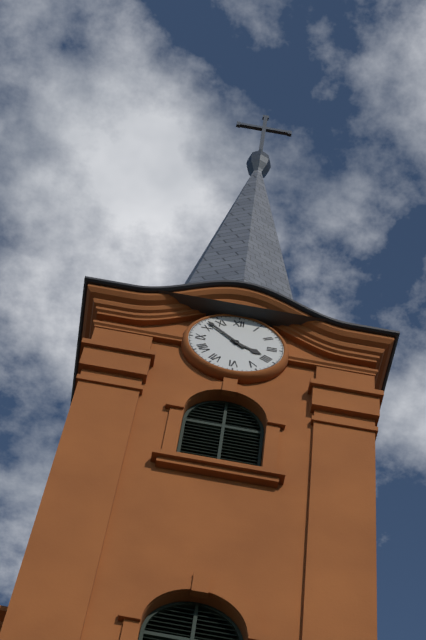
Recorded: 3.52
